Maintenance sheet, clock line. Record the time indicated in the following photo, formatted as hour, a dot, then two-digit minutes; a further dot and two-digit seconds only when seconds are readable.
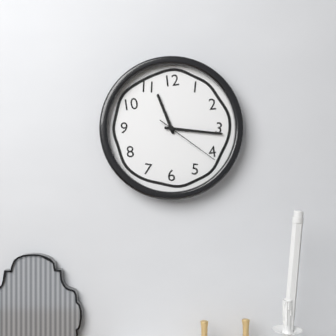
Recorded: 11.16.21
